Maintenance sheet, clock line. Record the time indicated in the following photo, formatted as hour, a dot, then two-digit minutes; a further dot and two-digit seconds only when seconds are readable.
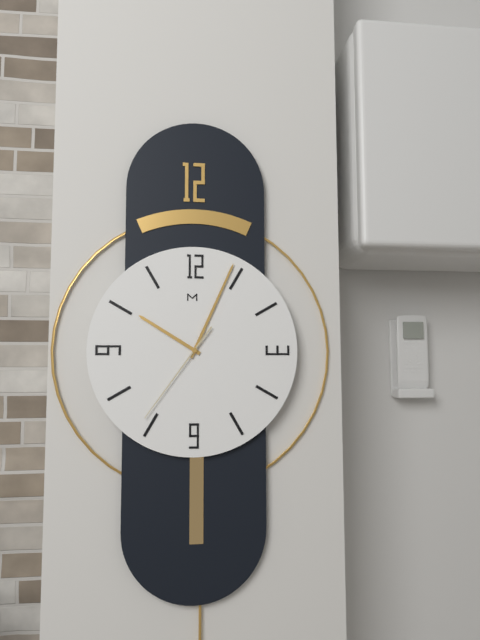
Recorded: 10.04.36
